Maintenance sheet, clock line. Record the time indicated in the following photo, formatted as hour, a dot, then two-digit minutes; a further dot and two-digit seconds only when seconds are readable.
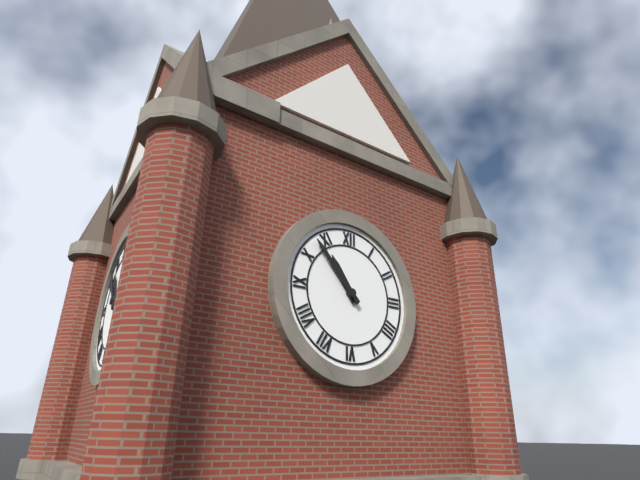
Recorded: 10.53
